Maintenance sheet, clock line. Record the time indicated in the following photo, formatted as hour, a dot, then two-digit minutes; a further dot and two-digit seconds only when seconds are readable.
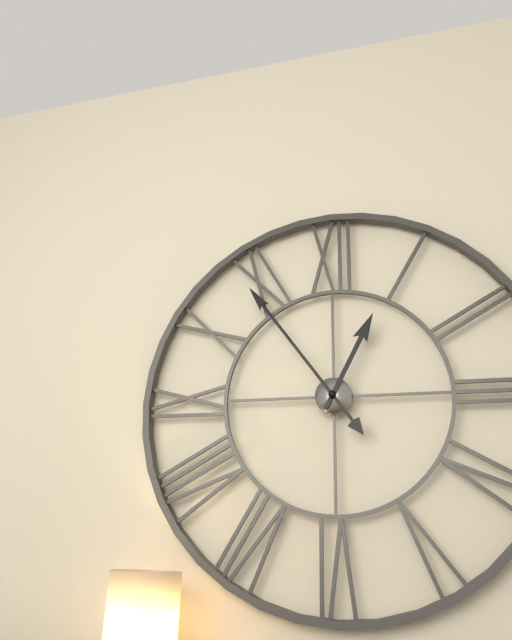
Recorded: 12.54
